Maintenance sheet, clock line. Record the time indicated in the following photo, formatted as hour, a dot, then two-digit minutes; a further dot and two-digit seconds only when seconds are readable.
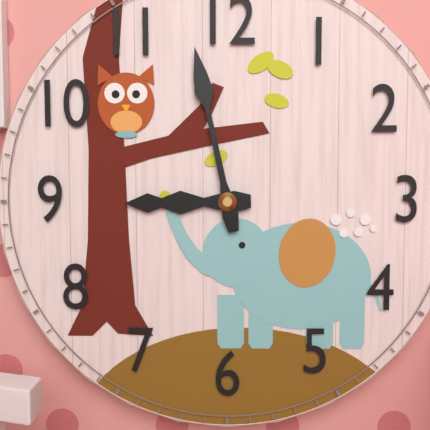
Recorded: 8.58
